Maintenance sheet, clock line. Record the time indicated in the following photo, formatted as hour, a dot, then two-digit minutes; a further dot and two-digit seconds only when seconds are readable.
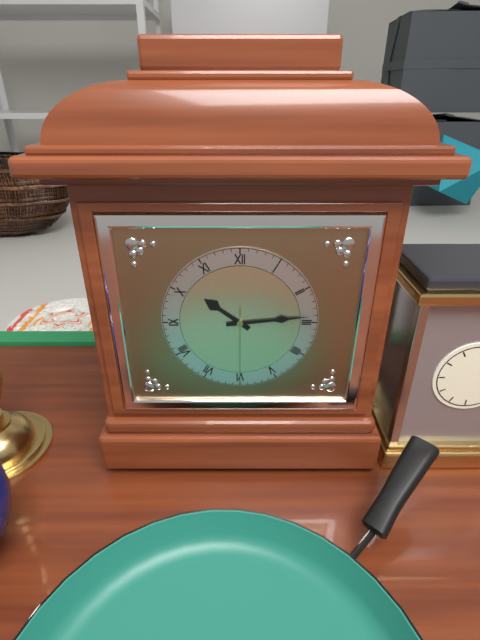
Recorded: 10.14.30
